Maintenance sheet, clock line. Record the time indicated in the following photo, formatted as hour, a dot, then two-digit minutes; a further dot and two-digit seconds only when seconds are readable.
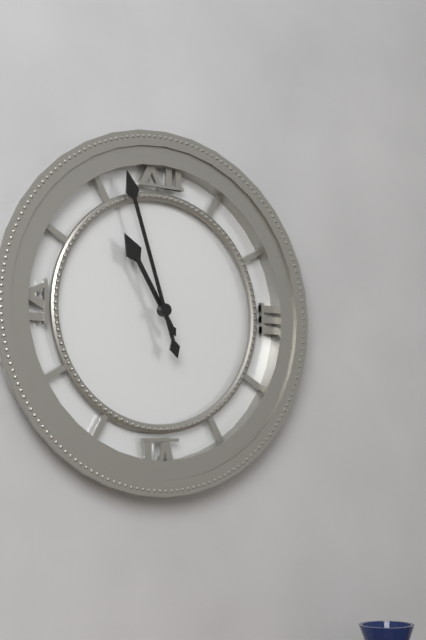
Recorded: 10.57
